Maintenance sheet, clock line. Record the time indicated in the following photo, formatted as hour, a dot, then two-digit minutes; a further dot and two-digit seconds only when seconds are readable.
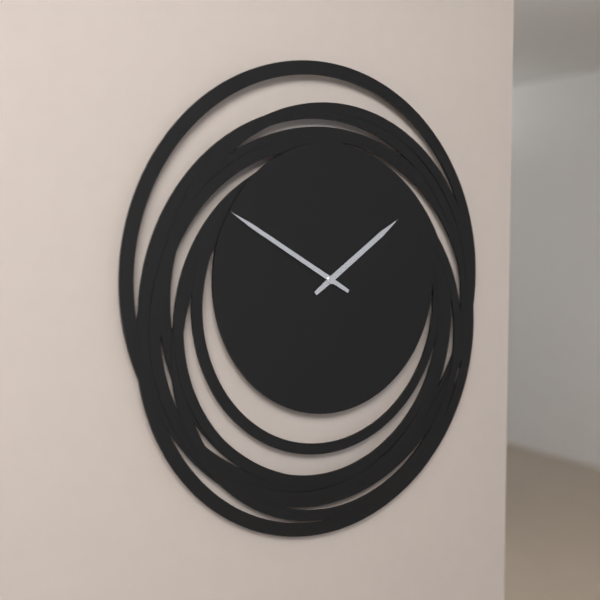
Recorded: 1.50
